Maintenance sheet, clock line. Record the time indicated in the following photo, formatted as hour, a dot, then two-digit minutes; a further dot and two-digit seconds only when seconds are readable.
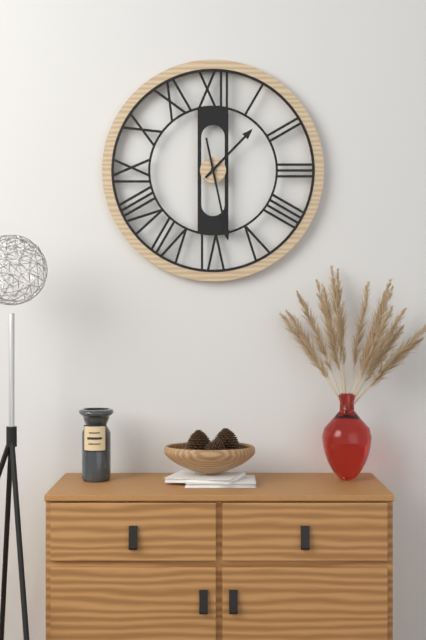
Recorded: 1.28
